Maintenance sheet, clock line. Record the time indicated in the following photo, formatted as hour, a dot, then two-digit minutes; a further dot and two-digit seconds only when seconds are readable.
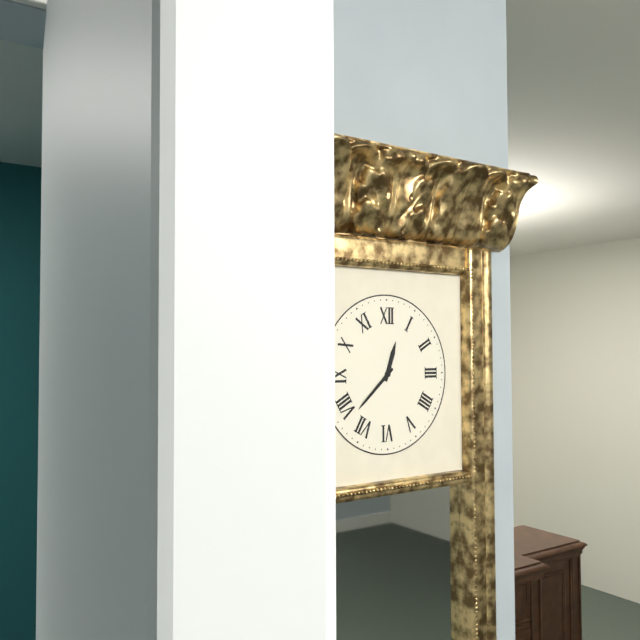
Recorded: 12.38
